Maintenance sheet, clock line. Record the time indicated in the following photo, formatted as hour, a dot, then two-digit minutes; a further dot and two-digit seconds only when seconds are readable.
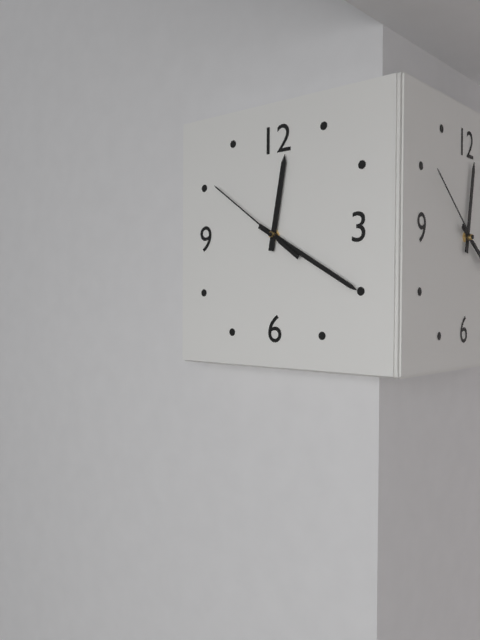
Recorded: 12.20.51
